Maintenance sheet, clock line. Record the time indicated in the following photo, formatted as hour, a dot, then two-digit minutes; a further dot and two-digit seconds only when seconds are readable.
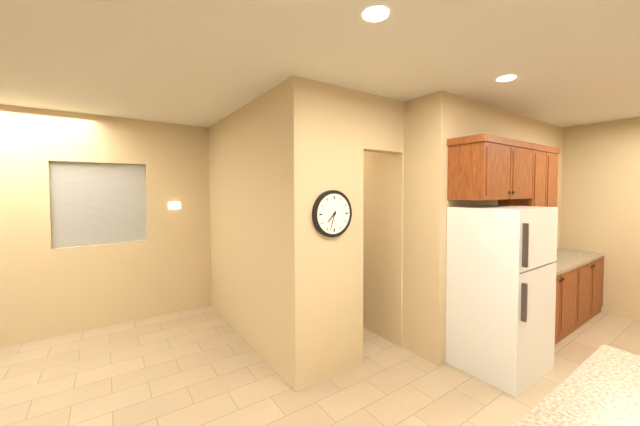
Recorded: 7.33
